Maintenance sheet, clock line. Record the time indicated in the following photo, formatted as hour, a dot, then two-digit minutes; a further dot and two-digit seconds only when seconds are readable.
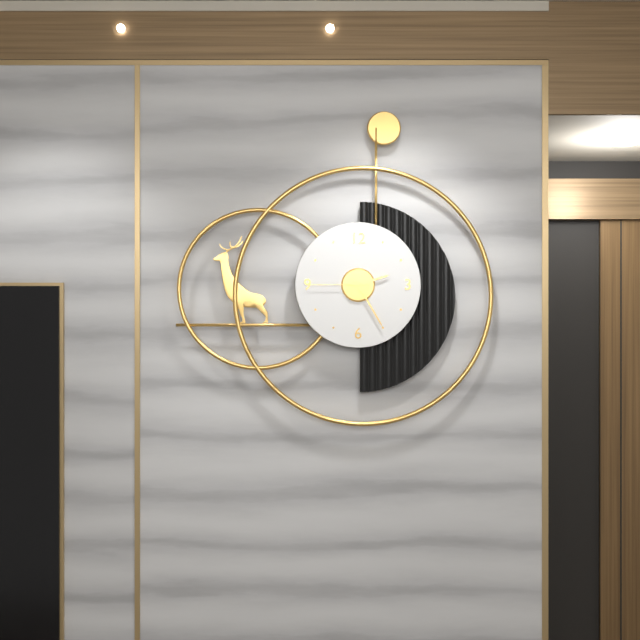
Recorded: 2.25.45
